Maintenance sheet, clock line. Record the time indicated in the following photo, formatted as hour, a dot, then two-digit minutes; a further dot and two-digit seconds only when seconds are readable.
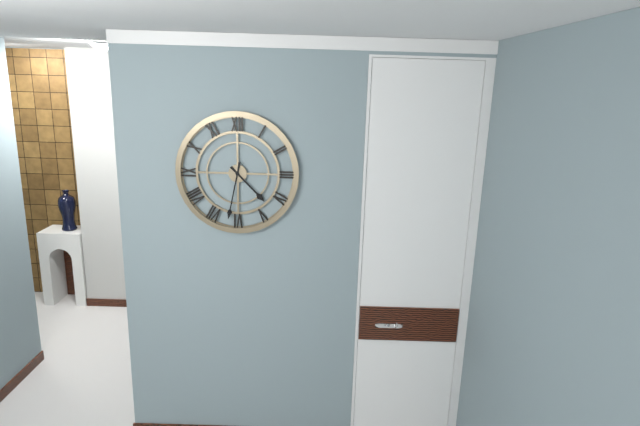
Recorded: 4.32
